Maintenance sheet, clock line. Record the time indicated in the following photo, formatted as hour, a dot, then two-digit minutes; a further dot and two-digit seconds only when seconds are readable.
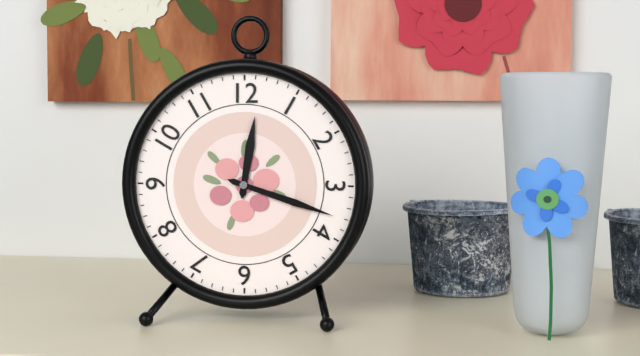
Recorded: 12.18
